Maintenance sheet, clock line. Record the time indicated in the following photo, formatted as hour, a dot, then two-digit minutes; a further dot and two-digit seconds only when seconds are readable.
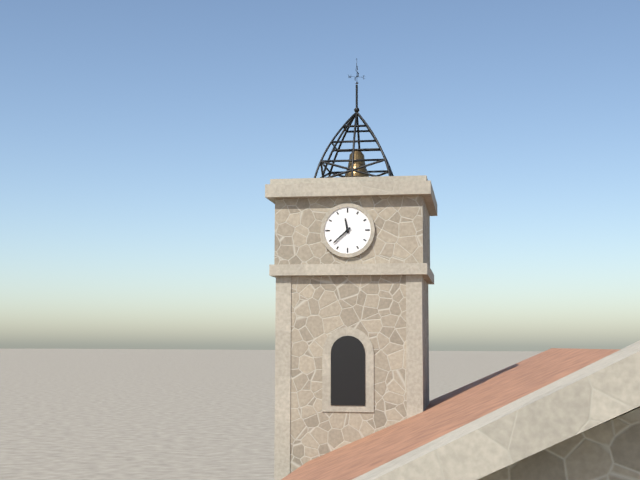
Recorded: 11.38
